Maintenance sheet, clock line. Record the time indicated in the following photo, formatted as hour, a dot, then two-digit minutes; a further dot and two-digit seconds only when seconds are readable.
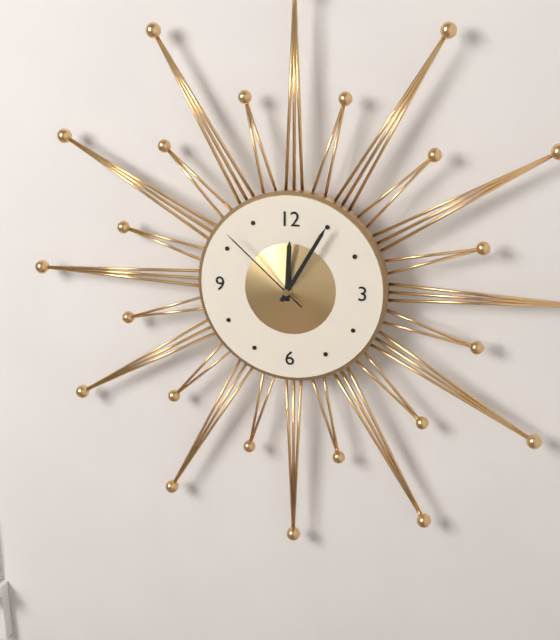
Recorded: 12.05.52
